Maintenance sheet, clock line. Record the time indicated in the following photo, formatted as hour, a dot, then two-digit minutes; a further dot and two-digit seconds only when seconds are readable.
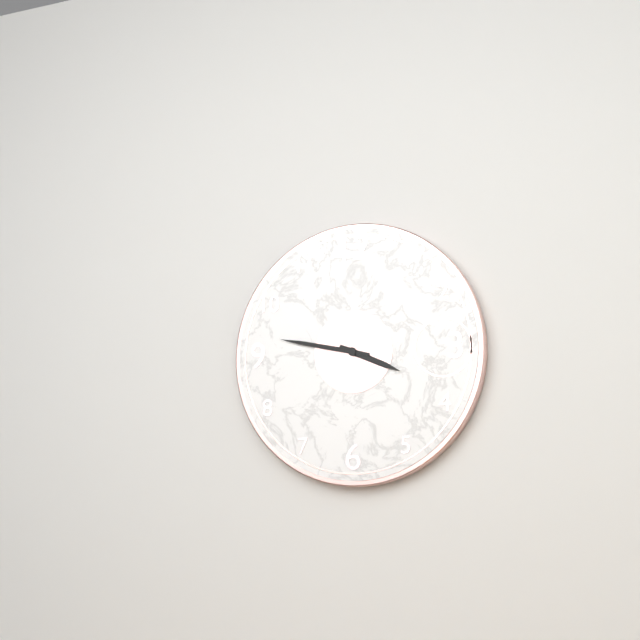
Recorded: 3.47
